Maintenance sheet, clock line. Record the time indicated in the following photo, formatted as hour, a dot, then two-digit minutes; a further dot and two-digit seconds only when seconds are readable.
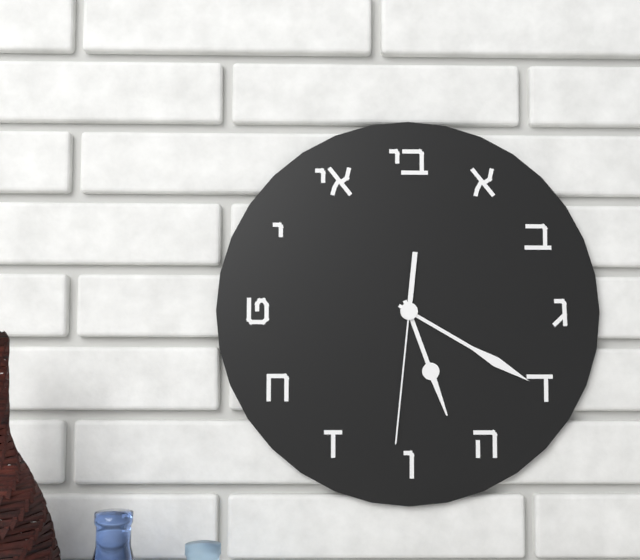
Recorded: 5.20.31
